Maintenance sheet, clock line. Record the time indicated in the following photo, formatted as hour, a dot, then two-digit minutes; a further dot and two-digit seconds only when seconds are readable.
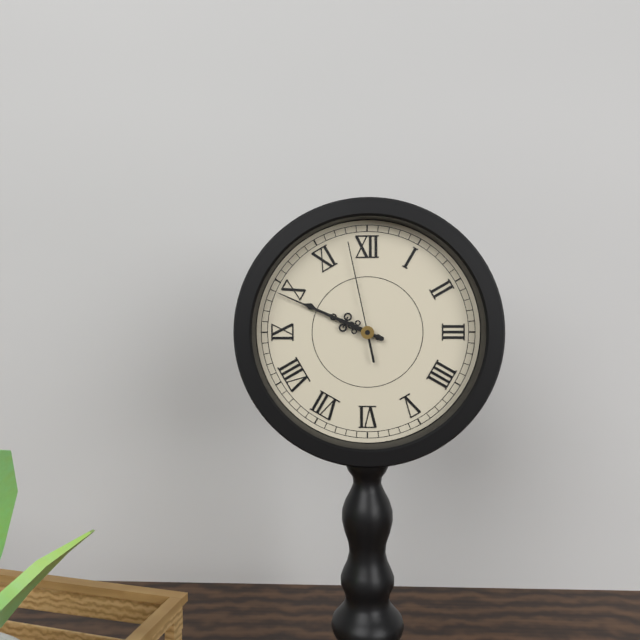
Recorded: 9.49.58
